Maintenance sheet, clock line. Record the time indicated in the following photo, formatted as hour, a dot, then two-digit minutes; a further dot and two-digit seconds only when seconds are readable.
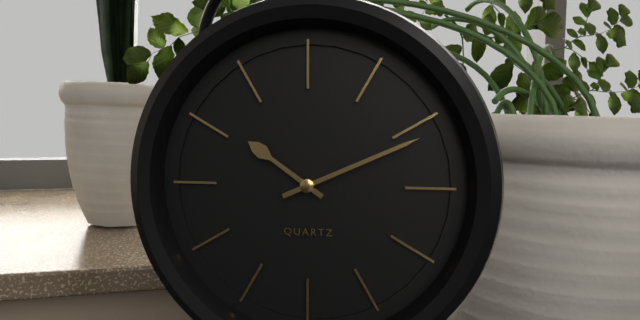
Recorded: 10.11
